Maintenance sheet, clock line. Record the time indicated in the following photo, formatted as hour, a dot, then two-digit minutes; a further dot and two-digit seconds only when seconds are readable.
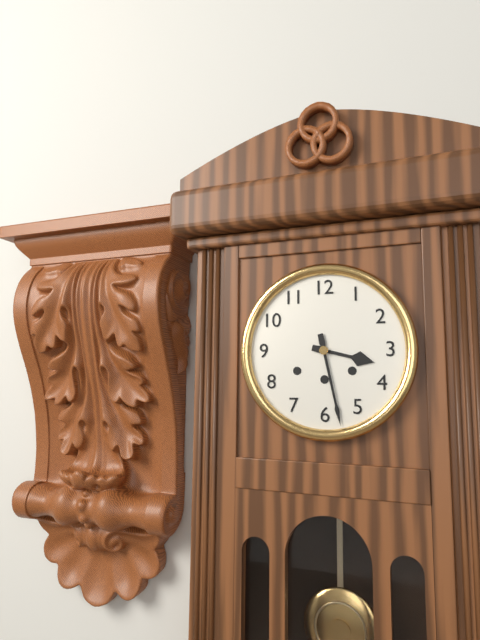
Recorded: 3.28
